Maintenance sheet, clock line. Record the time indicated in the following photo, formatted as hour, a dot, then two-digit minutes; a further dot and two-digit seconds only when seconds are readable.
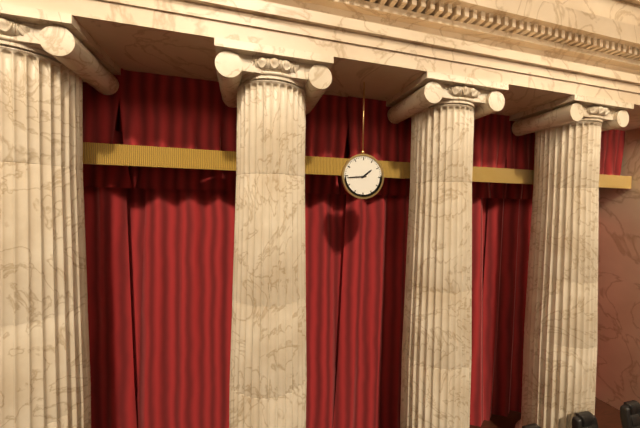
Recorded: 1.44
